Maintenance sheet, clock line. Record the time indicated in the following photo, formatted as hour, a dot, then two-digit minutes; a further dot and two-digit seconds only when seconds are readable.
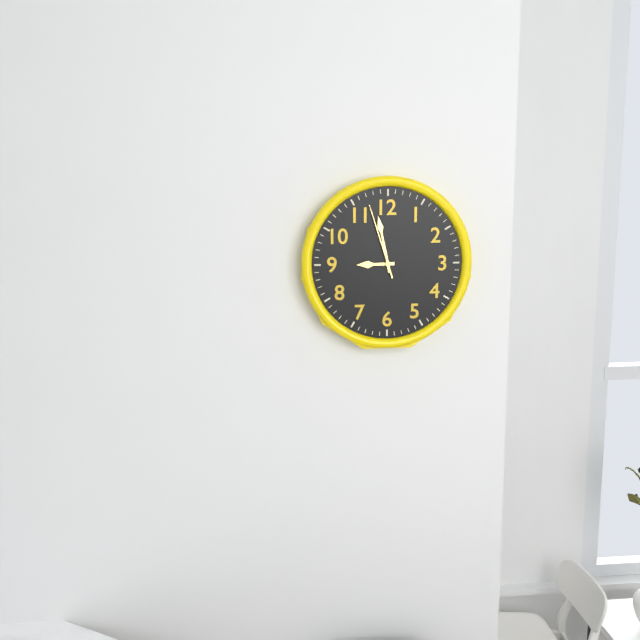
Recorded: 8.58.57
